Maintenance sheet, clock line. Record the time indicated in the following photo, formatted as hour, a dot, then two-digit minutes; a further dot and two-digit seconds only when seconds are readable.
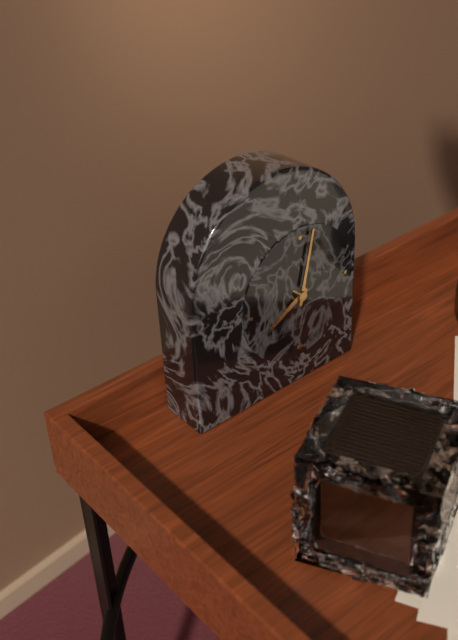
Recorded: 8.02
